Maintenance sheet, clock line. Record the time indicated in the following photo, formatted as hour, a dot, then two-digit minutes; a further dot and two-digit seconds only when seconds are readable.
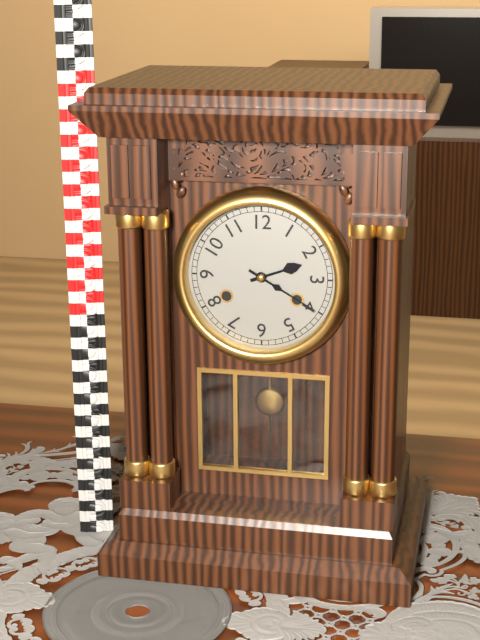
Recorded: 2.20
